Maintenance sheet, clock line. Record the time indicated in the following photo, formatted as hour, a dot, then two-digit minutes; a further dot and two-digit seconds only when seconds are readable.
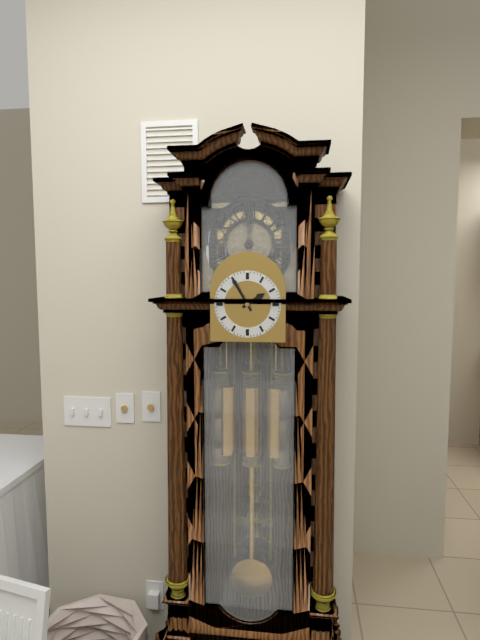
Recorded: 1.55
